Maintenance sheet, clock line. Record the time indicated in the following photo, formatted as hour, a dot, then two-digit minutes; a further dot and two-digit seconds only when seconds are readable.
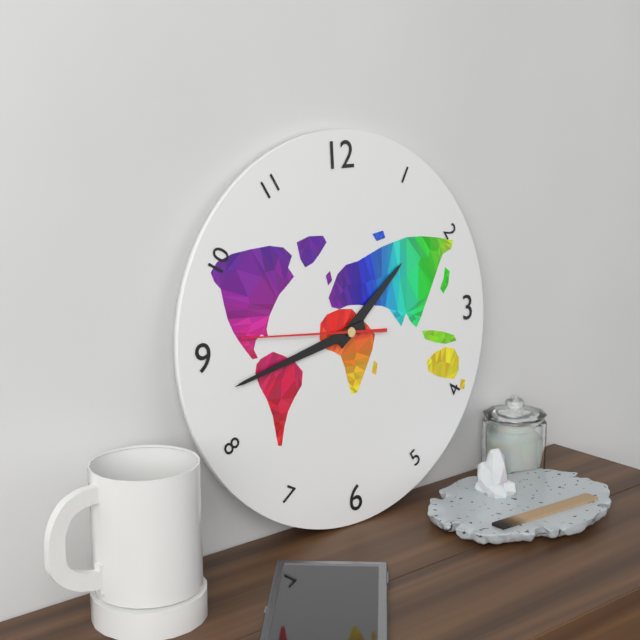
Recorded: 1.43.46
